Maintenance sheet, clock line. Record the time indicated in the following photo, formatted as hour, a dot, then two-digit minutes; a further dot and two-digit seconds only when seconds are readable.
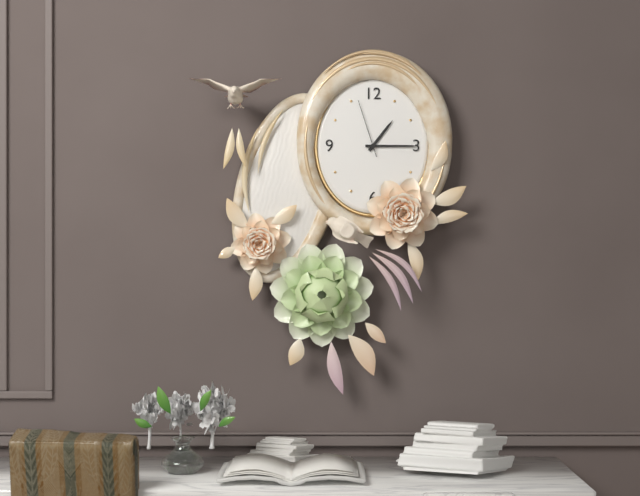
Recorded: 1.15.57
